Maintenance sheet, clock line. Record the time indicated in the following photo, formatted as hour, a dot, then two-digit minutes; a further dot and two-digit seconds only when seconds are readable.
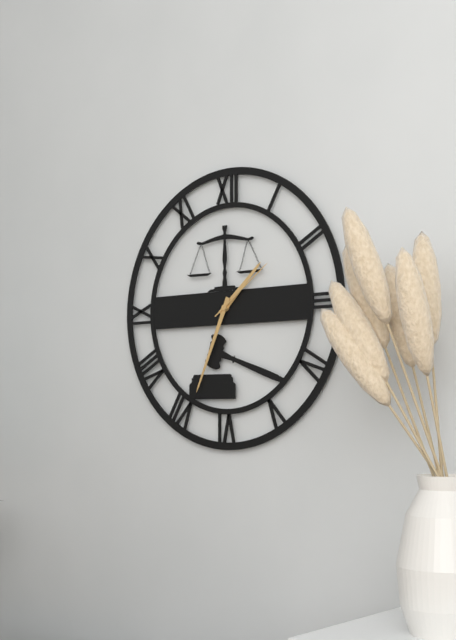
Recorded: 1.34.09
